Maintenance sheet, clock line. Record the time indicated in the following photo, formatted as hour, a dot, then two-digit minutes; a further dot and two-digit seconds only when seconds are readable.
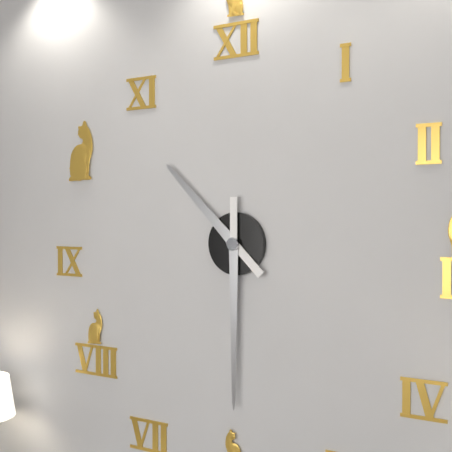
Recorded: 10.30
